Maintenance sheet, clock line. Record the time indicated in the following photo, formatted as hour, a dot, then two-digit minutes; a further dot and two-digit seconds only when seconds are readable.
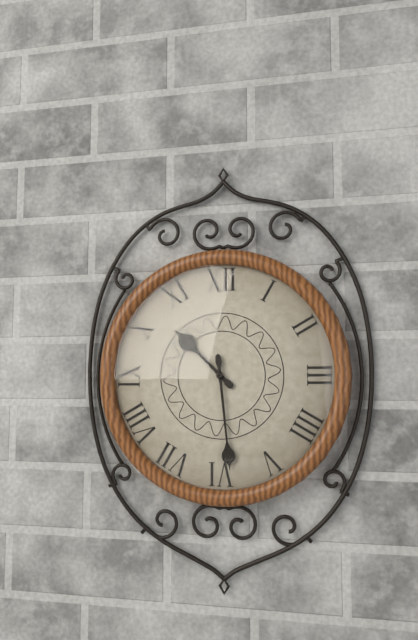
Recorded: 10.29
